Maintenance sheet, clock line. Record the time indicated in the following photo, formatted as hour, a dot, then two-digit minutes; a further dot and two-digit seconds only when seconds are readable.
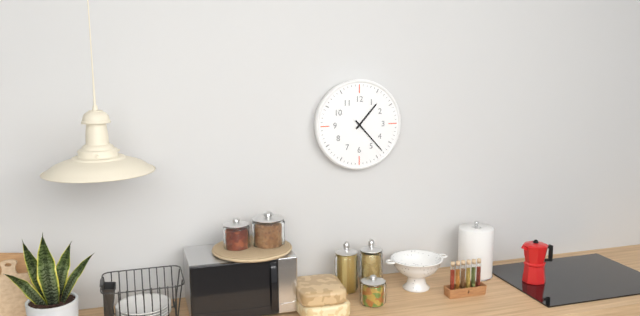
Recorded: 1.23
